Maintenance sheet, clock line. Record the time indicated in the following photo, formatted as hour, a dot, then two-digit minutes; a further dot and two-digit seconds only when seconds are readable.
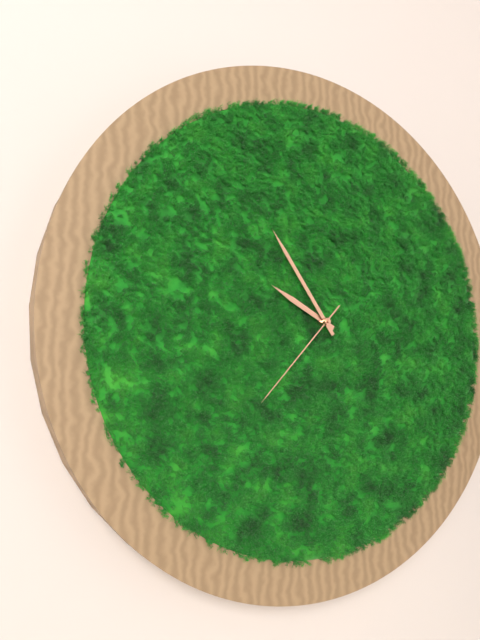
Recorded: 9.54.37
